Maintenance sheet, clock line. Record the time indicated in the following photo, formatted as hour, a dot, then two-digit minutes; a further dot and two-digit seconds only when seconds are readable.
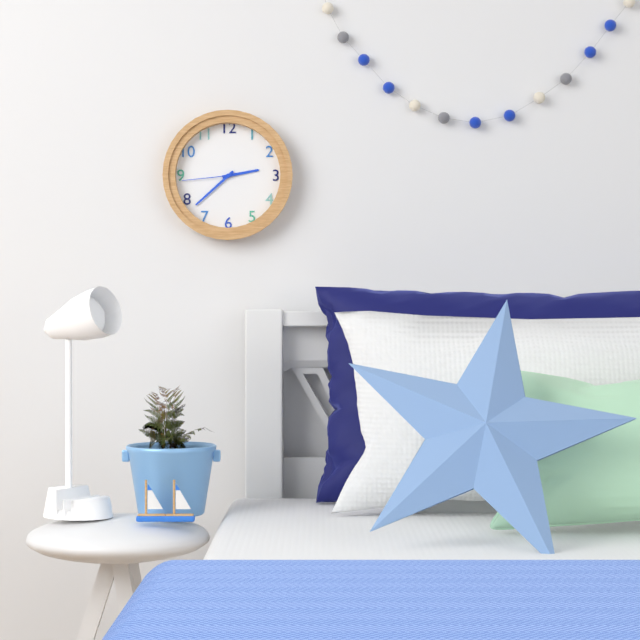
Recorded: 2.38.44
